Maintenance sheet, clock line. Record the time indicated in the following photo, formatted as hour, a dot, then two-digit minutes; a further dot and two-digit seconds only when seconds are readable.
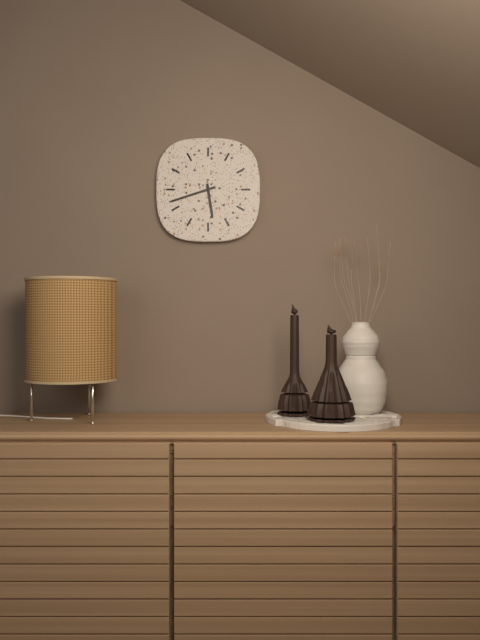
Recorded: 5.42
